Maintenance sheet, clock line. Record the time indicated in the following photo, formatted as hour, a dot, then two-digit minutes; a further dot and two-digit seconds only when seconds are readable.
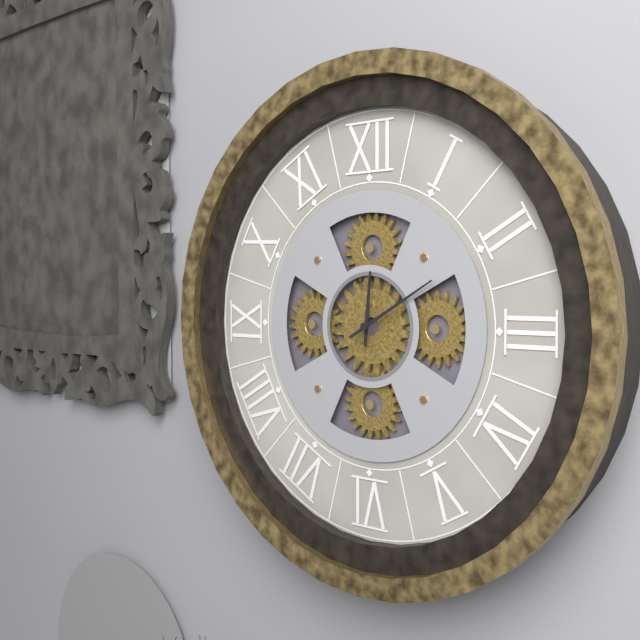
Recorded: 12.10
